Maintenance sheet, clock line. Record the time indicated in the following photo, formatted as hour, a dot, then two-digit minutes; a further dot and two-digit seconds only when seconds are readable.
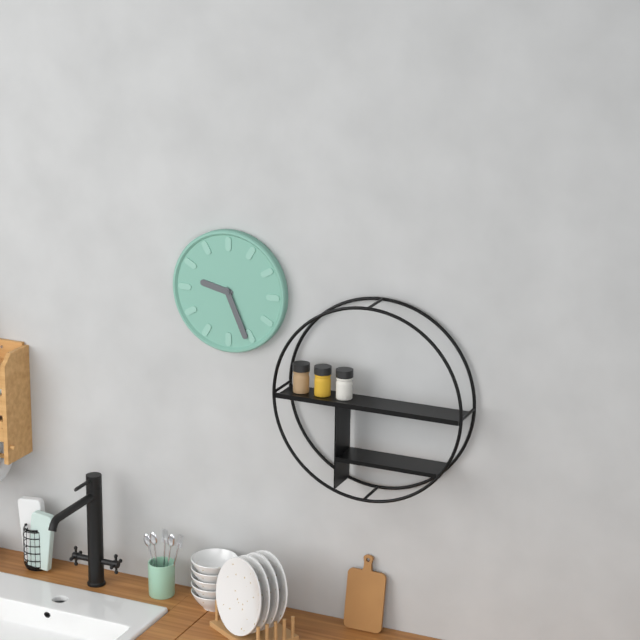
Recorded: 9.26
